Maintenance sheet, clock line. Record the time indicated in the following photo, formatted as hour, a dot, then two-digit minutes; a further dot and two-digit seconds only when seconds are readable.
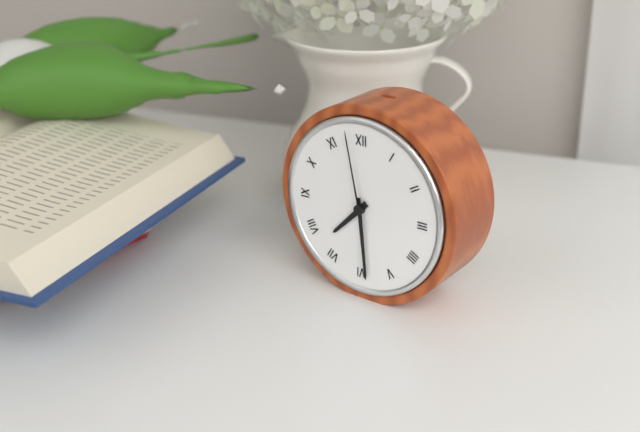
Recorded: 7.29.58
